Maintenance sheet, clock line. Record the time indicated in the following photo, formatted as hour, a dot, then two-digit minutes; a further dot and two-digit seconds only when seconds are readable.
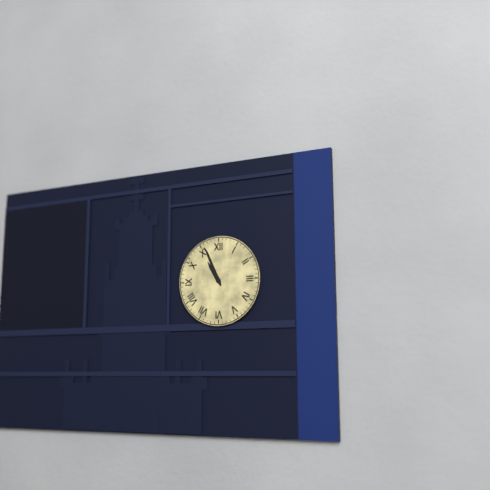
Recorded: 10.56
